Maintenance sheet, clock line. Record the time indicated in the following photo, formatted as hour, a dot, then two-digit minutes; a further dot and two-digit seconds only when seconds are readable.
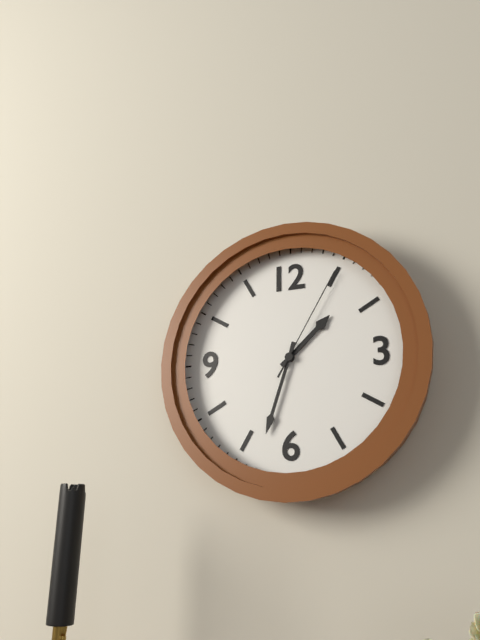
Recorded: 1.33.05
